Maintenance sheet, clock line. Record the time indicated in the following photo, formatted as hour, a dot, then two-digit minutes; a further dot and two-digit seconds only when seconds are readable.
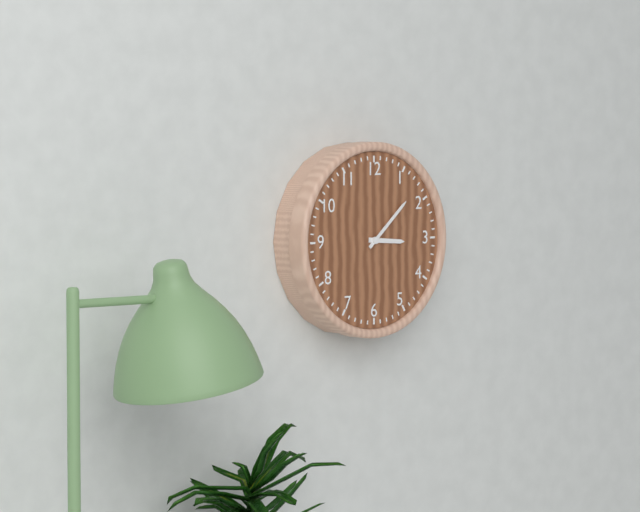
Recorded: 3.08
